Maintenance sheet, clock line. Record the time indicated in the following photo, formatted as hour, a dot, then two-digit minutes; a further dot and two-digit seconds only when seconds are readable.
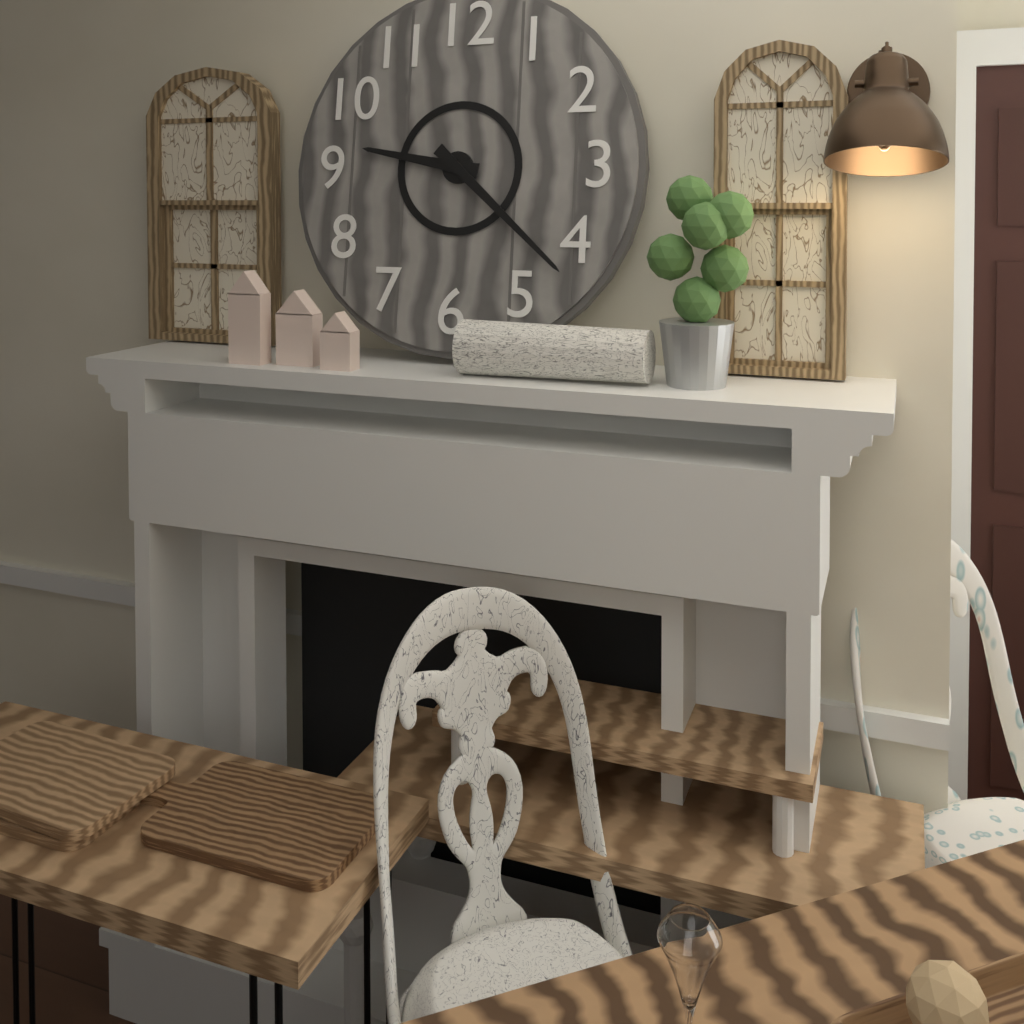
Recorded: 9.22
